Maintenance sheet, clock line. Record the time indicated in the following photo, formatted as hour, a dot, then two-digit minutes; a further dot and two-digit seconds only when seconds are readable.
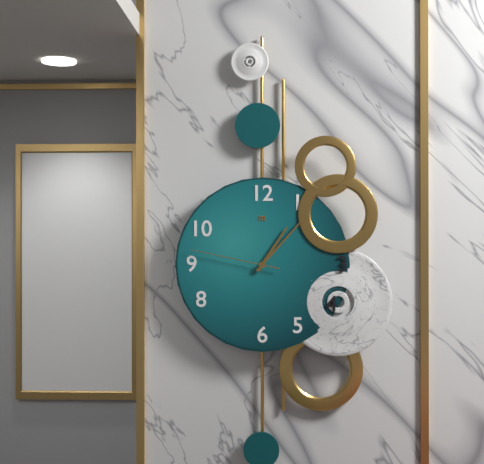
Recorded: 1.07.47
